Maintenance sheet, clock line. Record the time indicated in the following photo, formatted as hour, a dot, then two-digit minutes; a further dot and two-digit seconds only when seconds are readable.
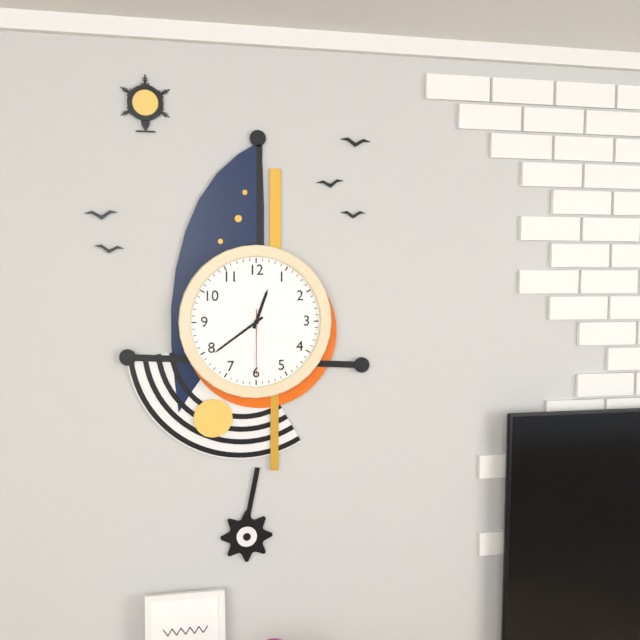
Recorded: 12.39.30
